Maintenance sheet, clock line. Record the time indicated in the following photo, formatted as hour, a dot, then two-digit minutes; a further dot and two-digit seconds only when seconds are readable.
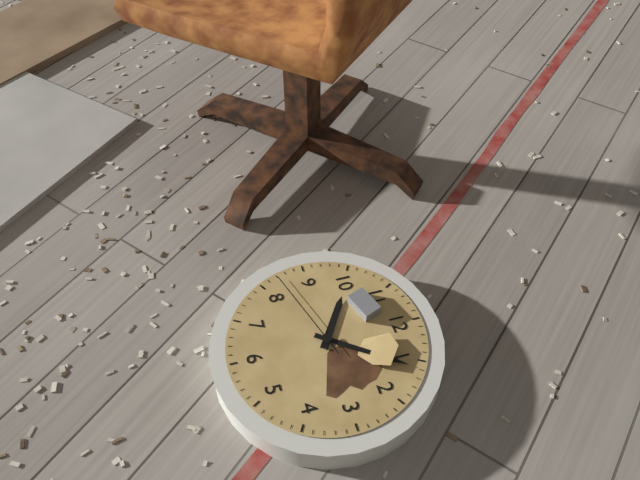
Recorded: 10.06.42
